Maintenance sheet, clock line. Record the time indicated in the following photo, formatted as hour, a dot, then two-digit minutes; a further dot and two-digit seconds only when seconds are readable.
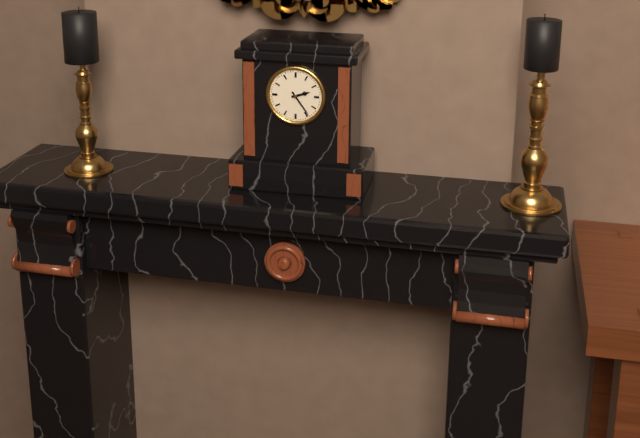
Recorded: 2.24
